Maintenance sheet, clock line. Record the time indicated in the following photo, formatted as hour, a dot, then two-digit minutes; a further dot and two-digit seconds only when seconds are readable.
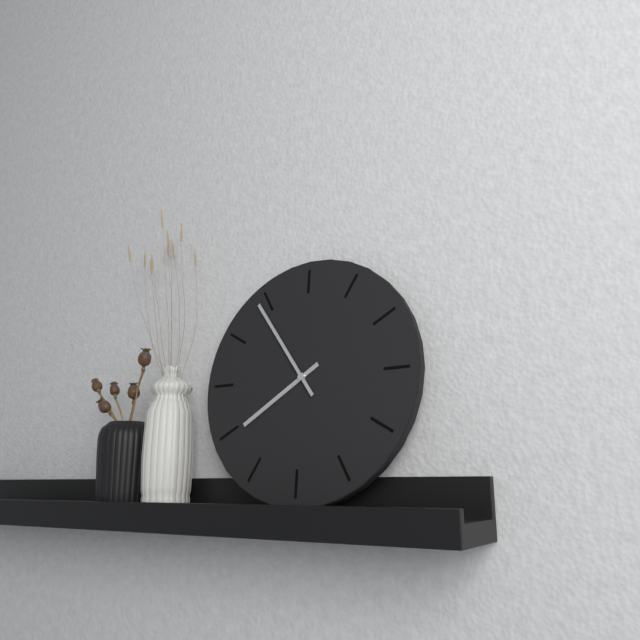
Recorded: 7.54
